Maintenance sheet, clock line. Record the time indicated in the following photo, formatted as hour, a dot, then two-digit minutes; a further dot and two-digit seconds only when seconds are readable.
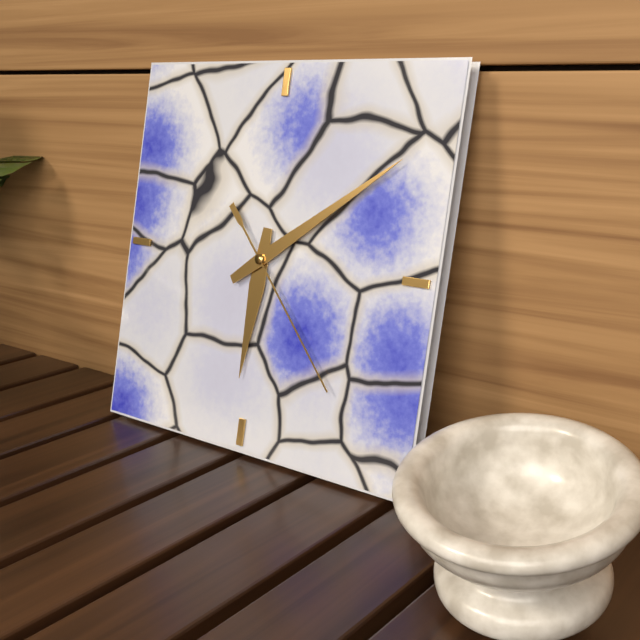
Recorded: 6.09.23
